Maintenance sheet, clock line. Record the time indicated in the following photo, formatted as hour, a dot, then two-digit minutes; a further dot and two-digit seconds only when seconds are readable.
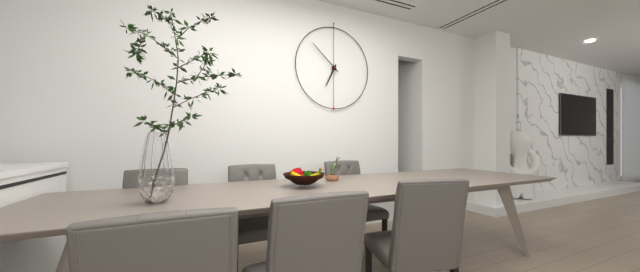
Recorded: 6.52
